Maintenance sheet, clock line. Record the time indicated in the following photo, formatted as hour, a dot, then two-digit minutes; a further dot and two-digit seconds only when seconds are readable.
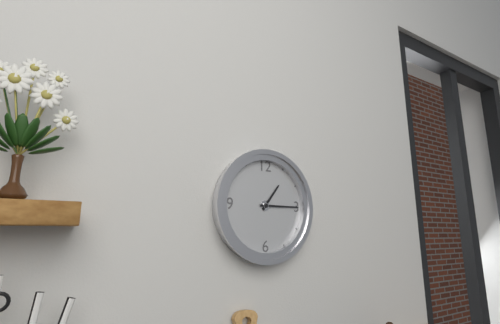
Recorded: 1.15
